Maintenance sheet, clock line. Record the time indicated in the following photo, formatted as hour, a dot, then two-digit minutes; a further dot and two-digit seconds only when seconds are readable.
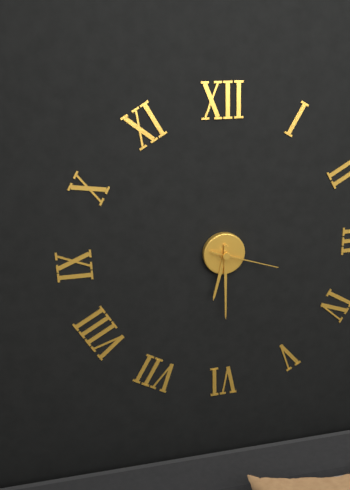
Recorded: 6.30.18
